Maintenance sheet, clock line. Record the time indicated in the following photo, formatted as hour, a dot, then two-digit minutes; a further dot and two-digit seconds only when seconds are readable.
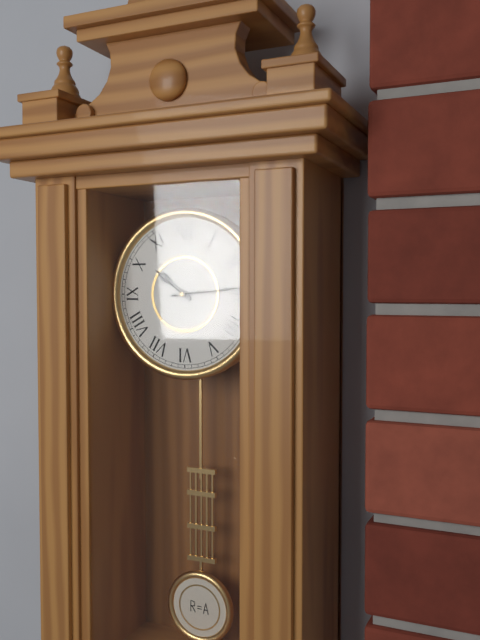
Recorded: 10.14
